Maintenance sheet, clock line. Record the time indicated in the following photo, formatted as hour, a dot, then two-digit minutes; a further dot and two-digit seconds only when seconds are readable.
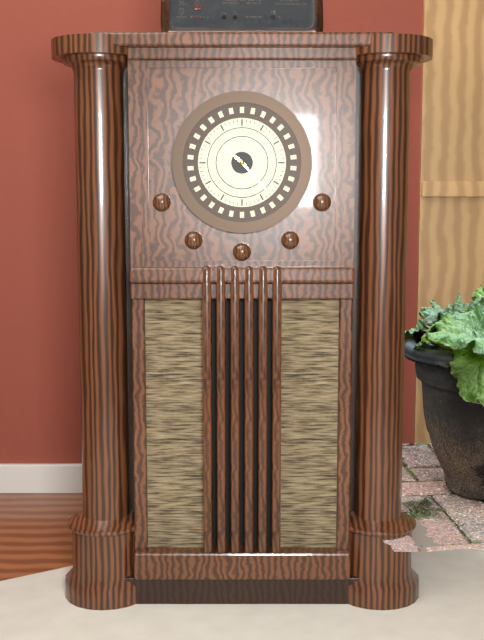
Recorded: 10.23
